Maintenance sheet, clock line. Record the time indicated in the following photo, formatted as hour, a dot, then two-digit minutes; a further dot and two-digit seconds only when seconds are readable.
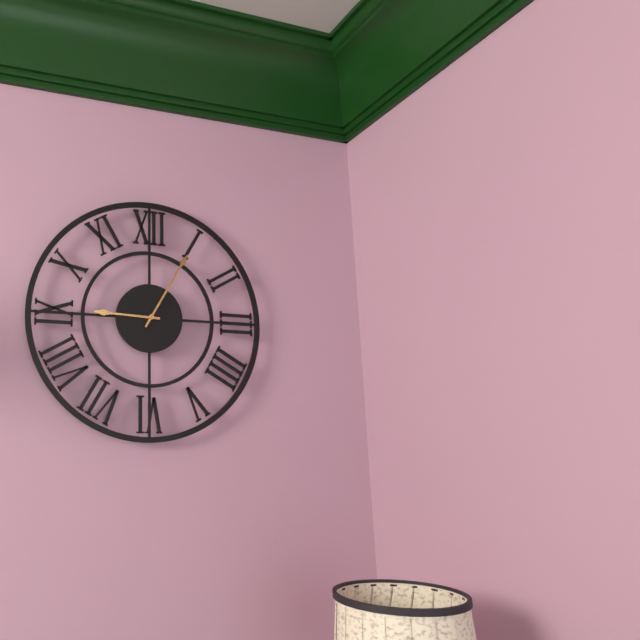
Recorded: 9.05
